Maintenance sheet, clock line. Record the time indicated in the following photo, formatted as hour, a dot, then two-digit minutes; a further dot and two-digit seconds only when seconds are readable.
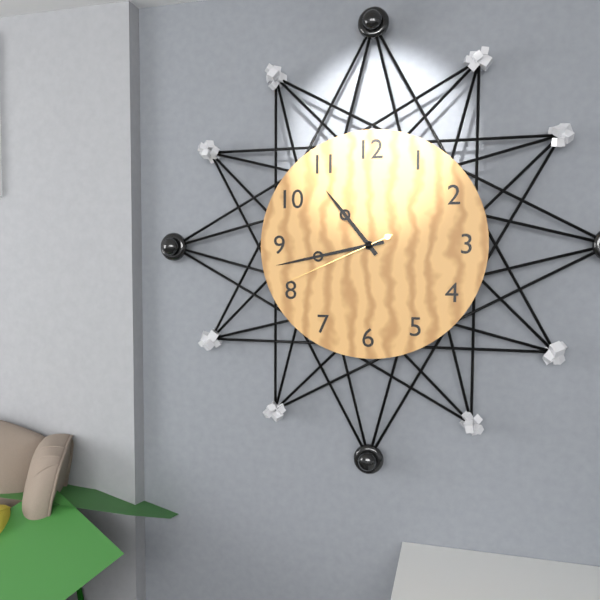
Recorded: 10.43.41
